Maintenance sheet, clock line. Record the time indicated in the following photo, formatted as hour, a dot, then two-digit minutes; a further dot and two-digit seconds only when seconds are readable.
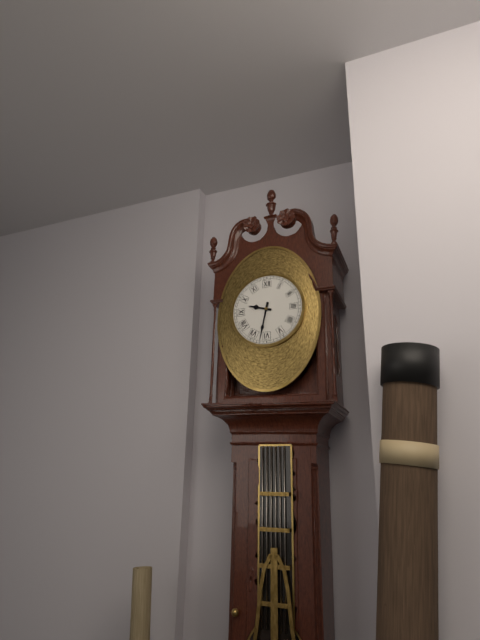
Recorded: 9.32
